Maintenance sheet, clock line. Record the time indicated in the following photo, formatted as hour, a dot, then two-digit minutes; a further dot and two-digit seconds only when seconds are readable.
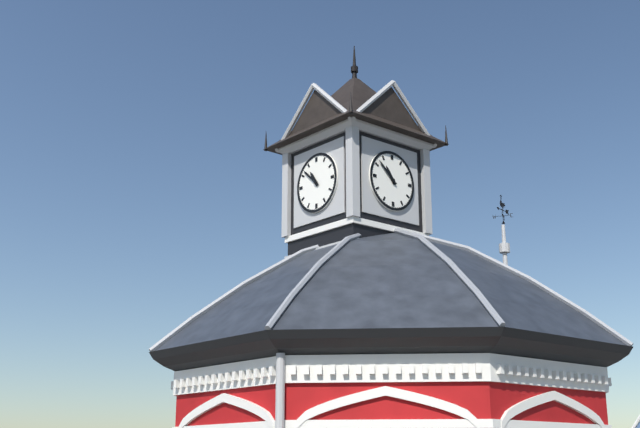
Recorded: 10.52
